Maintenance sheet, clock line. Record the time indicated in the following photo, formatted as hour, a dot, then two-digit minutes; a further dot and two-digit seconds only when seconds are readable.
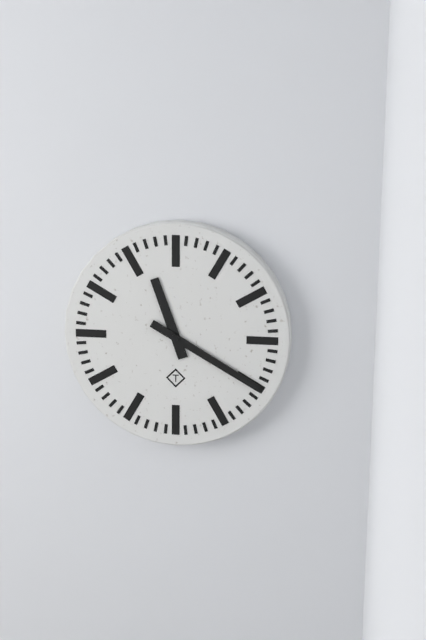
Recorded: 11.20
